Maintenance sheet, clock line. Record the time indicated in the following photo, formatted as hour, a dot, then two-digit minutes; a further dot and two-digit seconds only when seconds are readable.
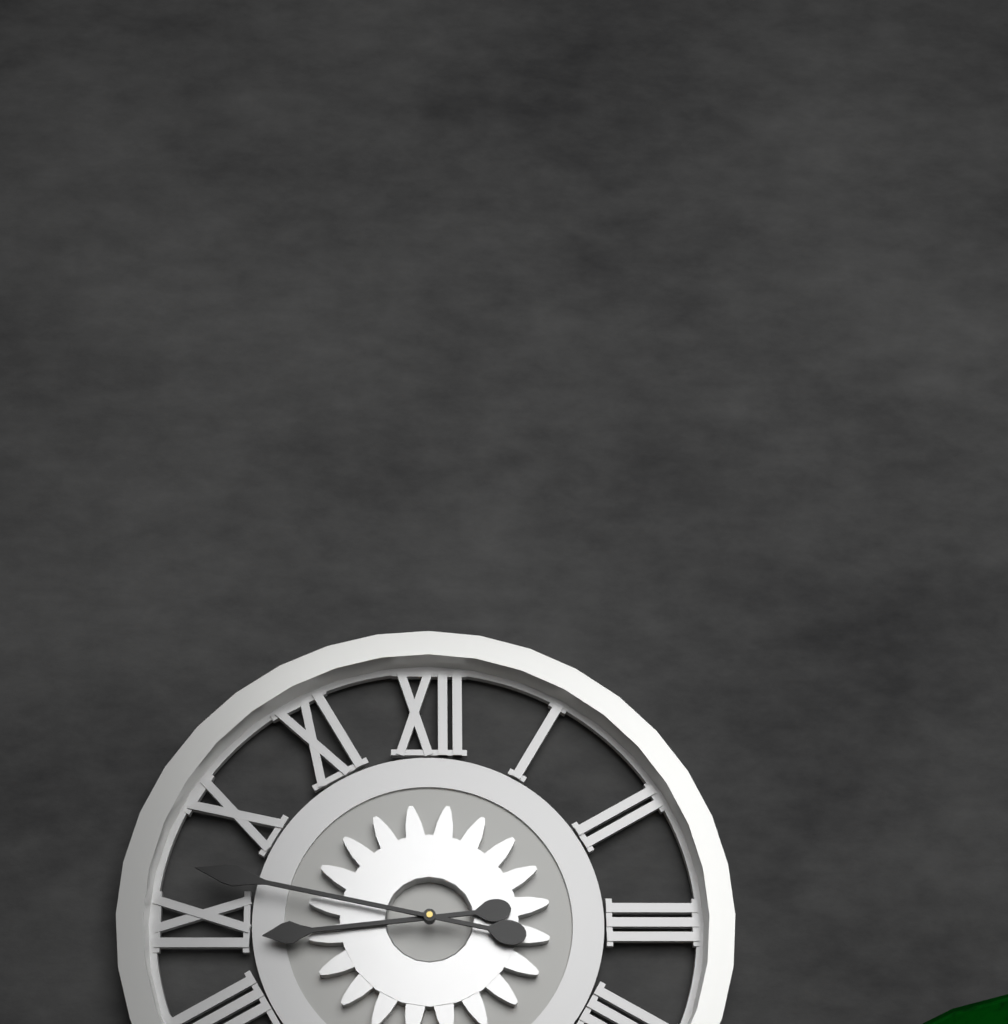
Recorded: 8.47
